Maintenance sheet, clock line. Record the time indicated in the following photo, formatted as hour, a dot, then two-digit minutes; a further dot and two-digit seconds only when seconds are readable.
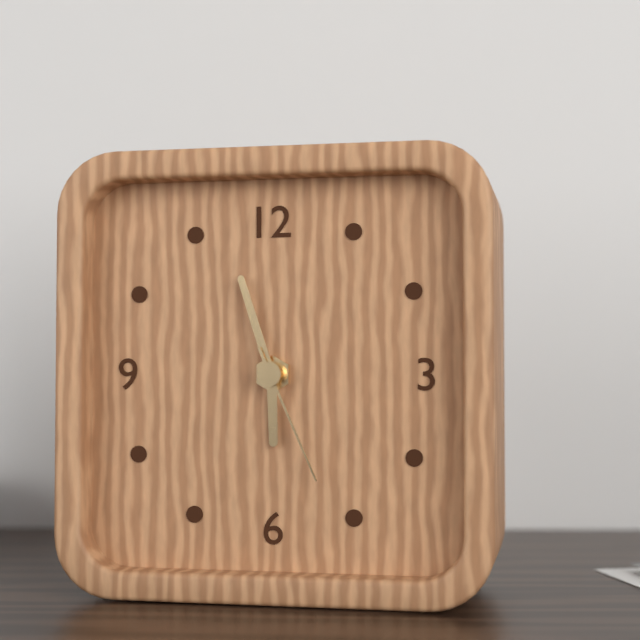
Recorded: 5.57.26
